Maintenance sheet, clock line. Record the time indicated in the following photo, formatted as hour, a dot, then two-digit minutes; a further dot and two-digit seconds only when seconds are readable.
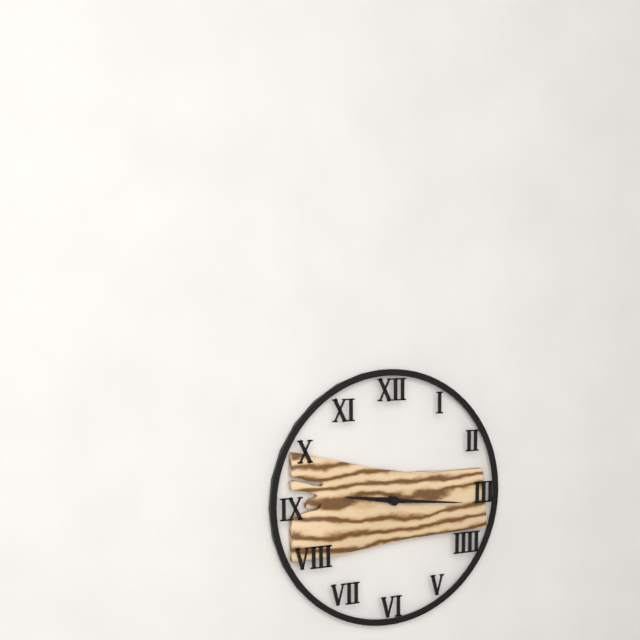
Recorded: 9.16
